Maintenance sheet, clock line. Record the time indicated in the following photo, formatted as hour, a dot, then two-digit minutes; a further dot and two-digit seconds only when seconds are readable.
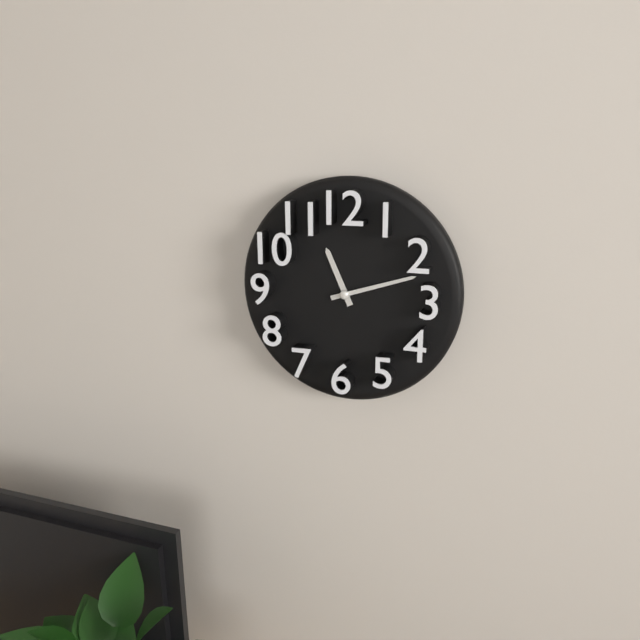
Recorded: 11.12
